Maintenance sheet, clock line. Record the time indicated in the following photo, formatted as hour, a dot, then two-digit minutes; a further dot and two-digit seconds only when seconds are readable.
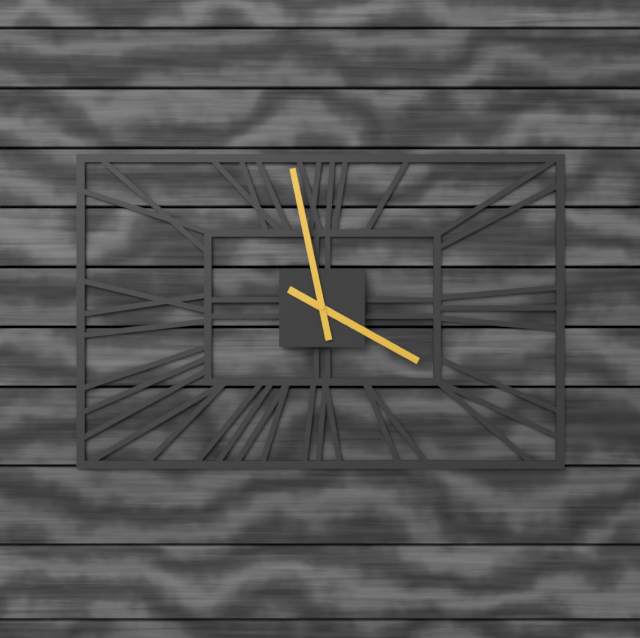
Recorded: 3.58
